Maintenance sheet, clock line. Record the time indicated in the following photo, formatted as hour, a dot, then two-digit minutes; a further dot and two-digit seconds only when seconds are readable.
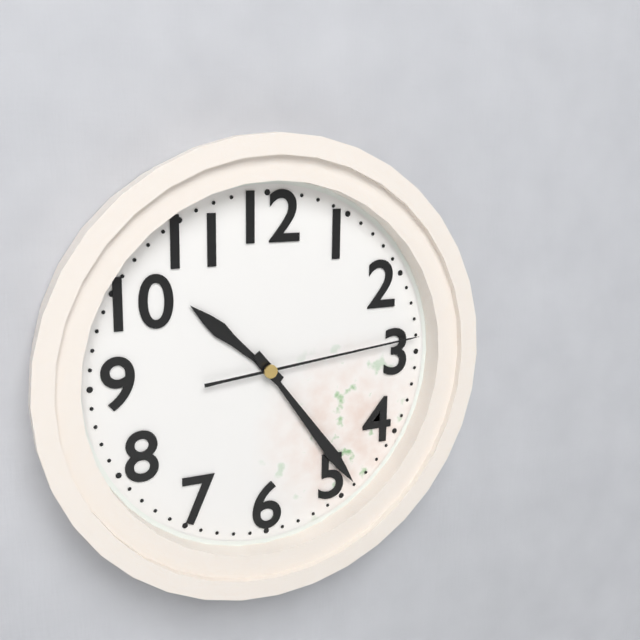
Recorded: 10.24.14
